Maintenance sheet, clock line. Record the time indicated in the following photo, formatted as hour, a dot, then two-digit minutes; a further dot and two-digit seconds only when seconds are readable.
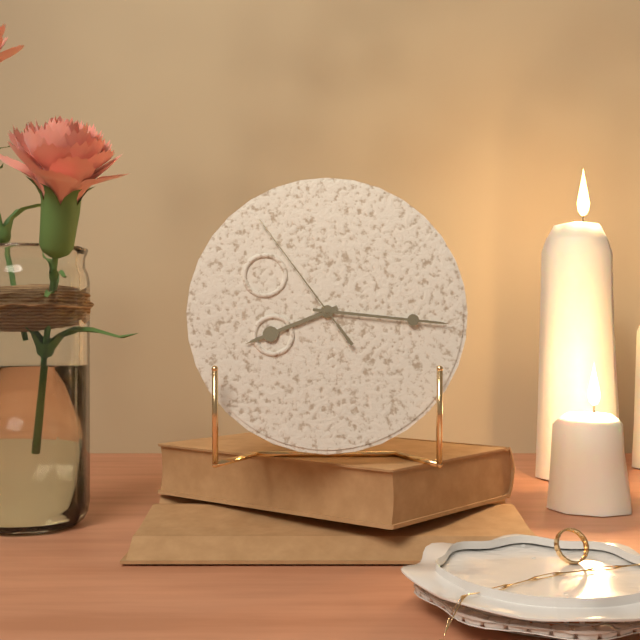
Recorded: 8.16.54
